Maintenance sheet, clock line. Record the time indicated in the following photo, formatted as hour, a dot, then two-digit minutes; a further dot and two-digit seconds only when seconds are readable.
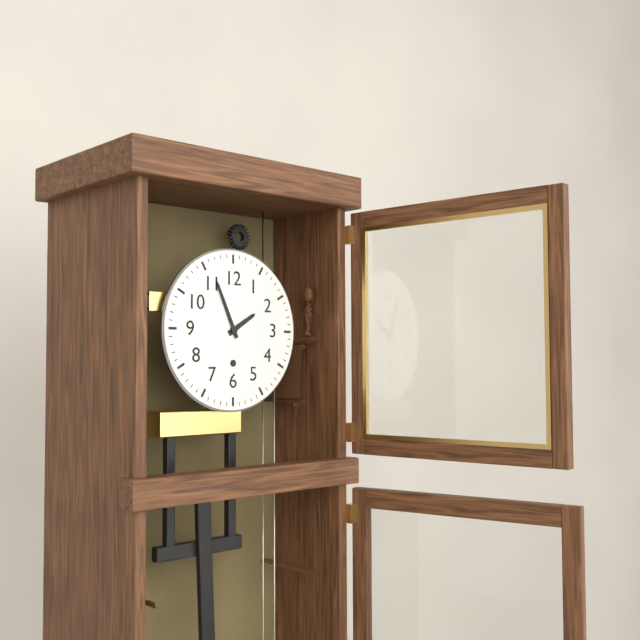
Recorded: 1.56
